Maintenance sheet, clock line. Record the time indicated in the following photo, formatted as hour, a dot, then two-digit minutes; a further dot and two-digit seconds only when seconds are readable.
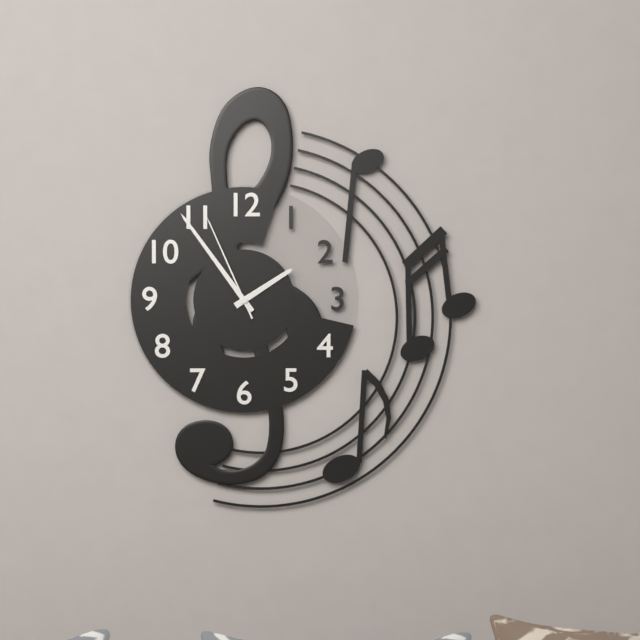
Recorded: 1.54.56
